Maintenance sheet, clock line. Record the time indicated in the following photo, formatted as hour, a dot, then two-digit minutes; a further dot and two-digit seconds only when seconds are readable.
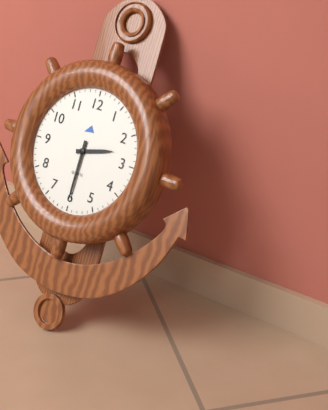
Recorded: 2.30
